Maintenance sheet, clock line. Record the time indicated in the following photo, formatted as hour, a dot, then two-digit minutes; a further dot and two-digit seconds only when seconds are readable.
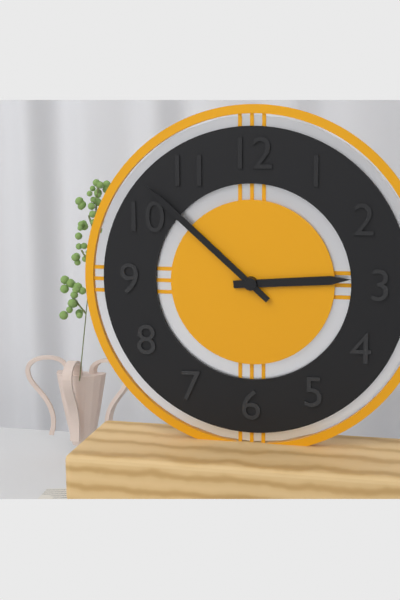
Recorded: 2.52
